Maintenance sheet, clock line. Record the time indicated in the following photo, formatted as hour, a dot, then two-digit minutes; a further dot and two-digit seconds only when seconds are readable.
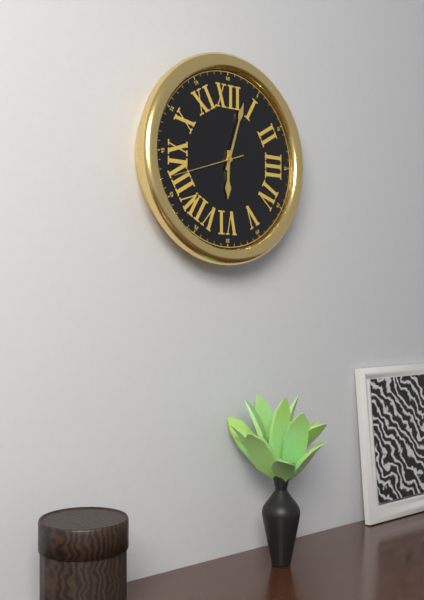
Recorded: 6.03
